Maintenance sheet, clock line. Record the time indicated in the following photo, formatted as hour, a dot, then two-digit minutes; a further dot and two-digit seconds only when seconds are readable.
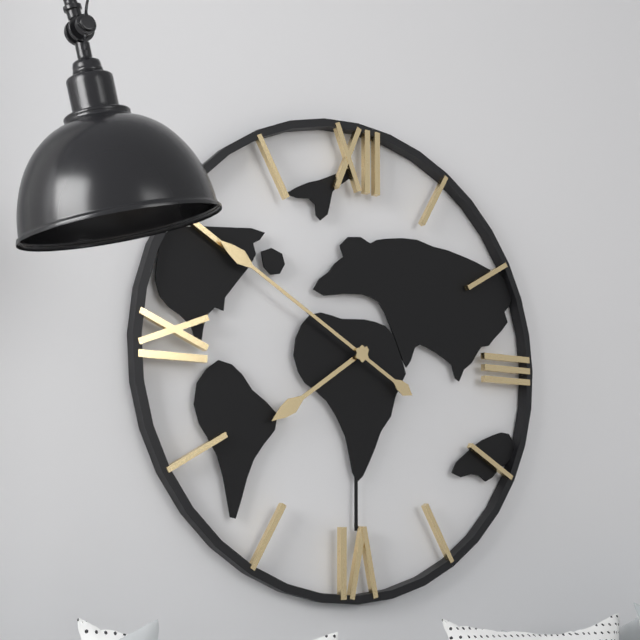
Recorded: 7.50
